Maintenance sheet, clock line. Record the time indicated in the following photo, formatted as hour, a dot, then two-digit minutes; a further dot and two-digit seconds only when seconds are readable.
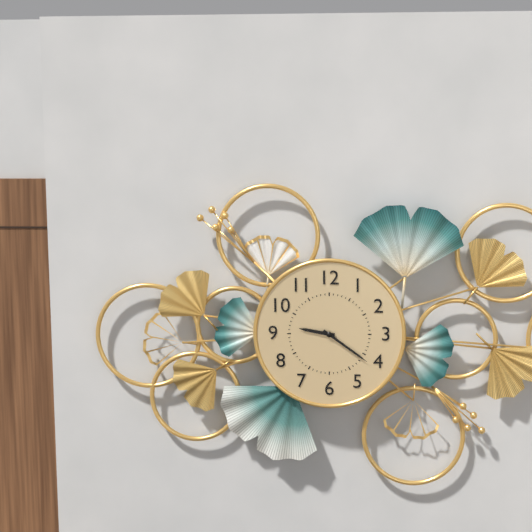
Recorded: 9.21
